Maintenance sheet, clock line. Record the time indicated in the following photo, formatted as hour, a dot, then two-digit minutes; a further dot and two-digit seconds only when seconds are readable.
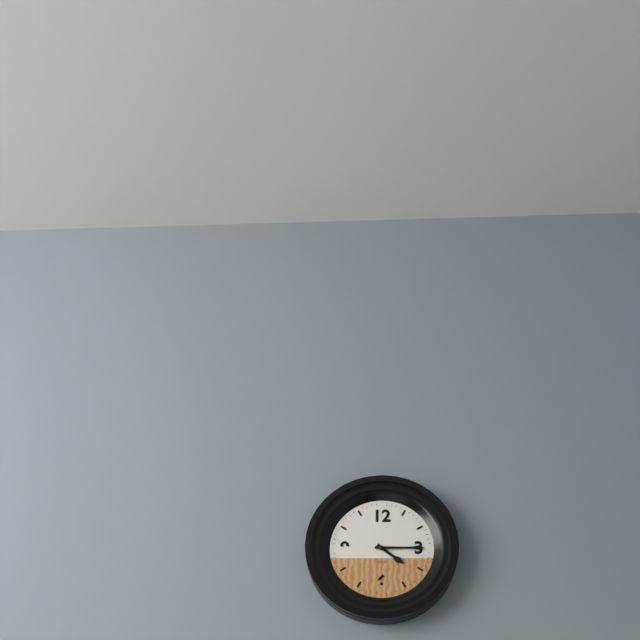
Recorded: 4.15
